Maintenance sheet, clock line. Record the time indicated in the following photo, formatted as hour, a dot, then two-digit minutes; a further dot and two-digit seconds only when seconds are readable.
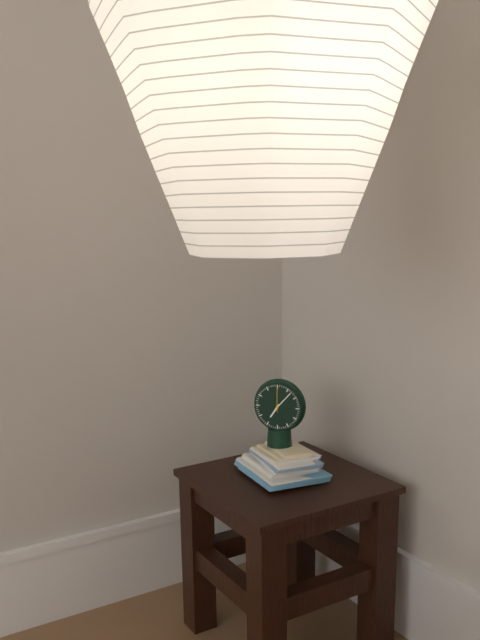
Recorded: 7.07
